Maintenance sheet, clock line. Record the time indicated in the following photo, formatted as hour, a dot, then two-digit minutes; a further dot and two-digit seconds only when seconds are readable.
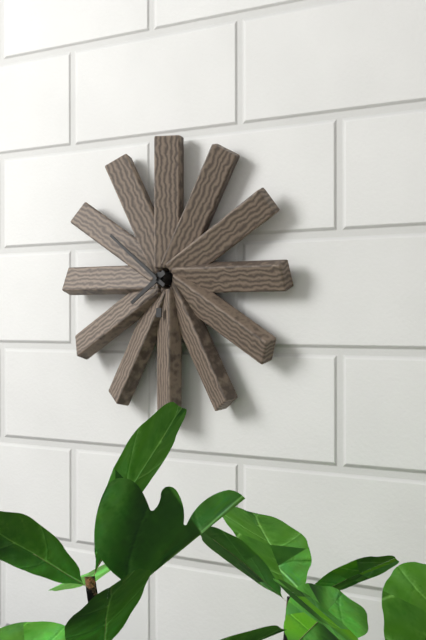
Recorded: 7.51
